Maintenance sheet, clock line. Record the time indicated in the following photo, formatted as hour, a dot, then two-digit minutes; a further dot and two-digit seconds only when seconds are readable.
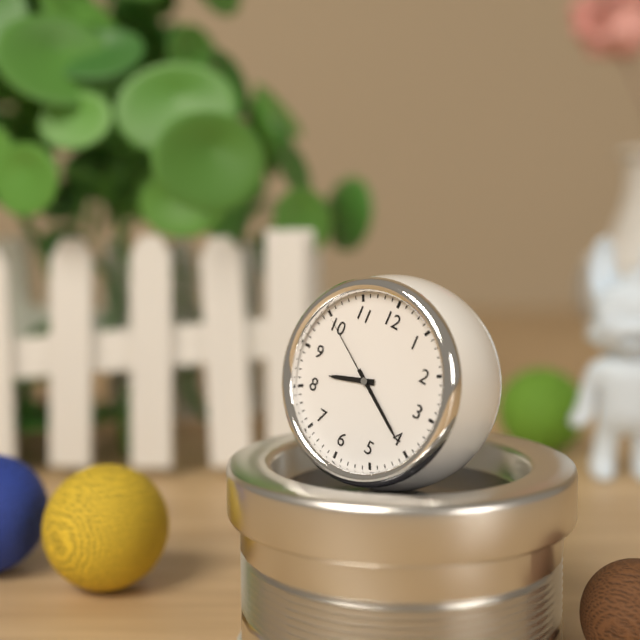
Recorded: 8.20.50
